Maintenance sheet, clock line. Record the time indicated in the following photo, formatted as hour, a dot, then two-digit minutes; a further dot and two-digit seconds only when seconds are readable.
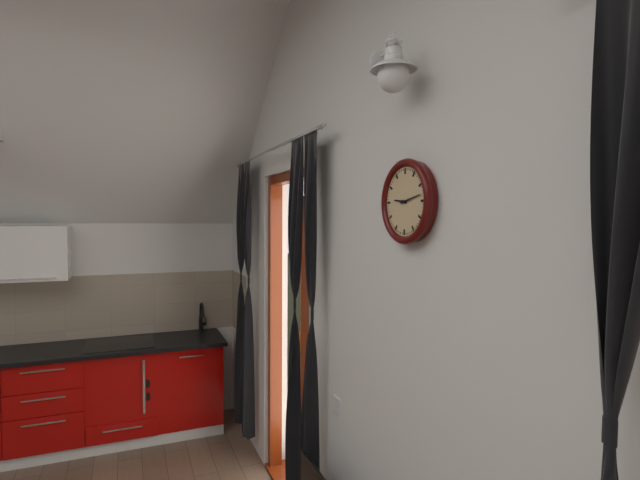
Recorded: 9.13
